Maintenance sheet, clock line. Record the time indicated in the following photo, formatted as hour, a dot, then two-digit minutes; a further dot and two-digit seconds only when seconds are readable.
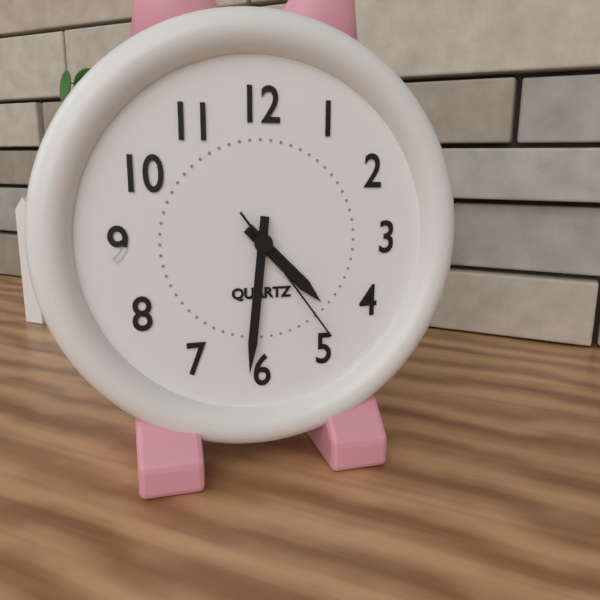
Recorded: 4.31.24
